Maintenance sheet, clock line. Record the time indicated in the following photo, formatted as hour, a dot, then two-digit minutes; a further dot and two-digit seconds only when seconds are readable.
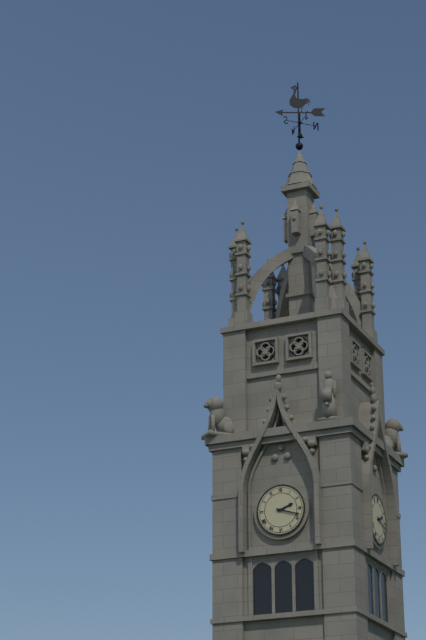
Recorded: 2.18
